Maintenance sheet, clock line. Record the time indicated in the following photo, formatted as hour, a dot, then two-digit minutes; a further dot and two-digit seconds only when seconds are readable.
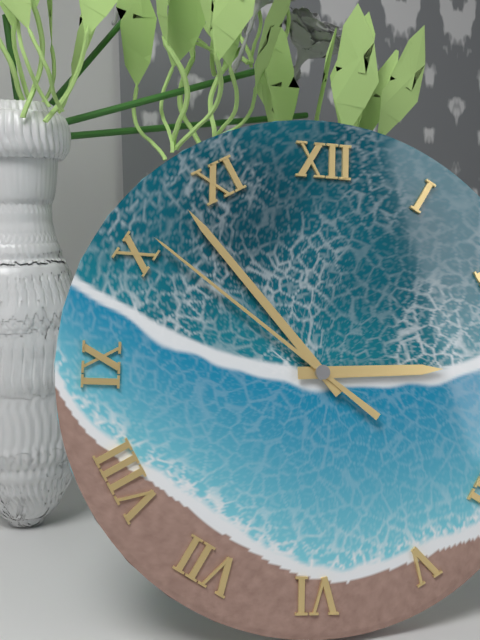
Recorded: 2.53.51
